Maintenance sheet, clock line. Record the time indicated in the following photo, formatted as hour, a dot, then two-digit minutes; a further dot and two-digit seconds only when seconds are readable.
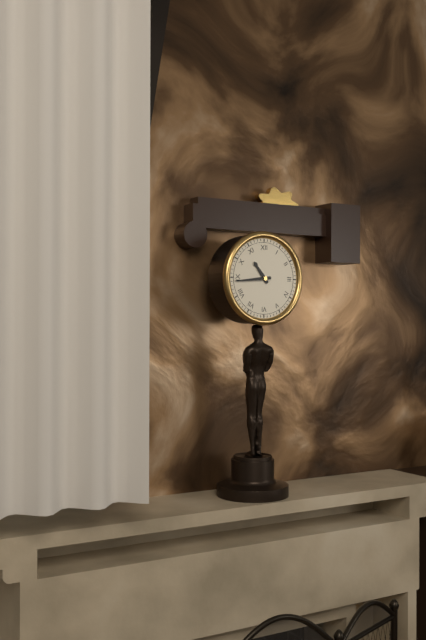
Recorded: 10.44
